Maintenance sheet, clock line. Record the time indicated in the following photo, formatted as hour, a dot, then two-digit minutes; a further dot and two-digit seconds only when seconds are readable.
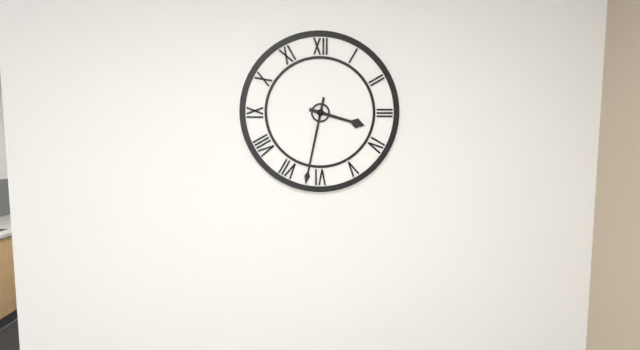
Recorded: 3.32
